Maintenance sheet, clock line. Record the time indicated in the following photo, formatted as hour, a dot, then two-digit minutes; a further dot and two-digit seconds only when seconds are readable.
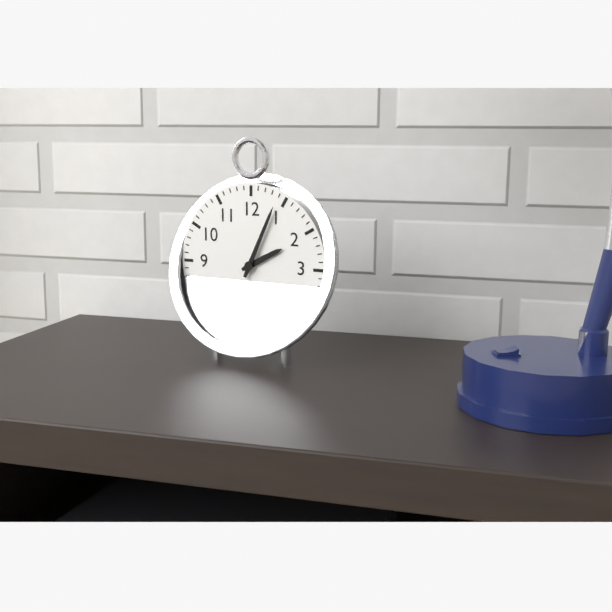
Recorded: 2.04
